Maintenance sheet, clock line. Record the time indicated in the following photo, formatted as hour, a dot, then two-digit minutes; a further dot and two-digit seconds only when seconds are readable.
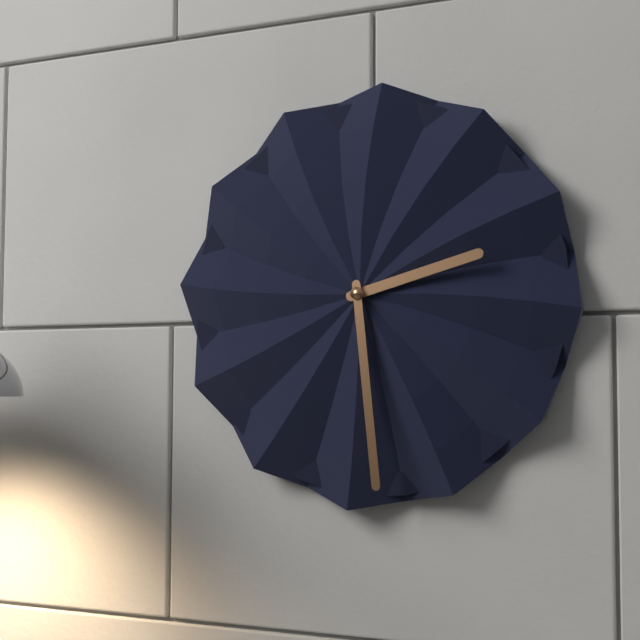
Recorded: 2.29
